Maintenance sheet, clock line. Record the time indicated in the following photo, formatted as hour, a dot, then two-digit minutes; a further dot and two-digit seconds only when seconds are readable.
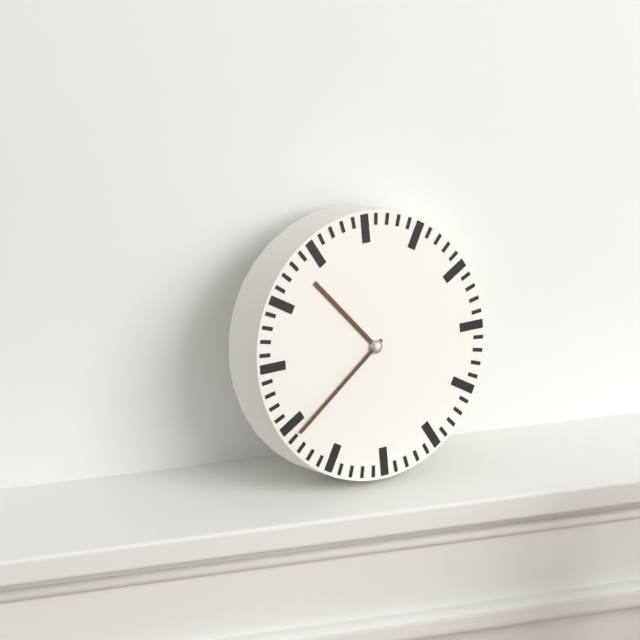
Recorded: 10.39
